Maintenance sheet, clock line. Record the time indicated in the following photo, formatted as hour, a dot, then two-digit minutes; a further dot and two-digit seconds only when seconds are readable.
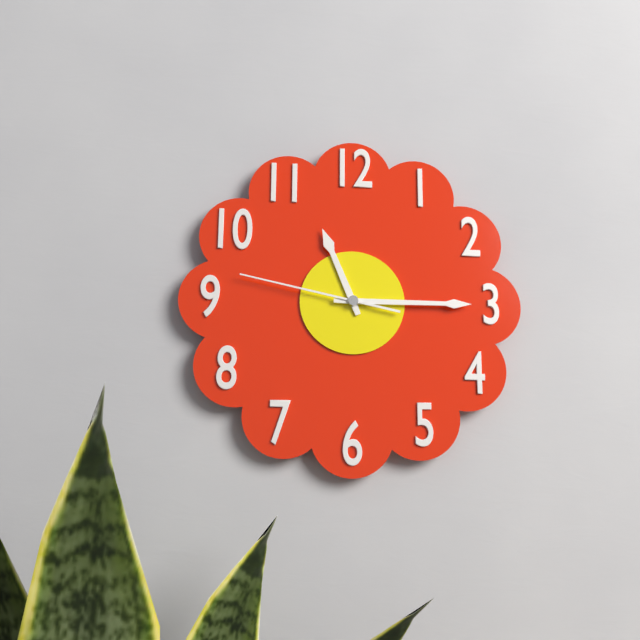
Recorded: 11.15.47
